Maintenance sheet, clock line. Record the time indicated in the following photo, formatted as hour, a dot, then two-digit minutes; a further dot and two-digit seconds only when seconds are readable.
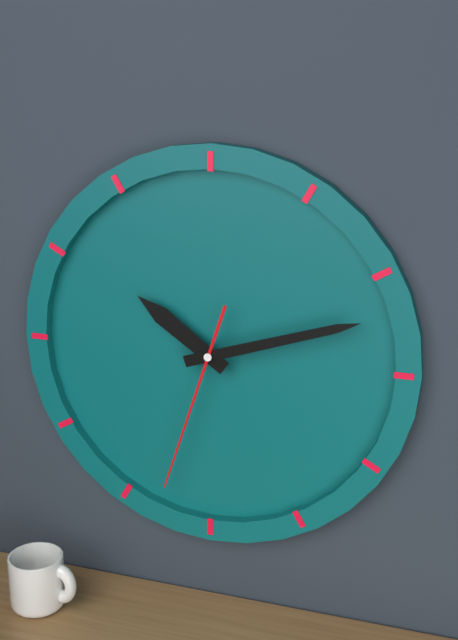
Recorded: 10.12.33
